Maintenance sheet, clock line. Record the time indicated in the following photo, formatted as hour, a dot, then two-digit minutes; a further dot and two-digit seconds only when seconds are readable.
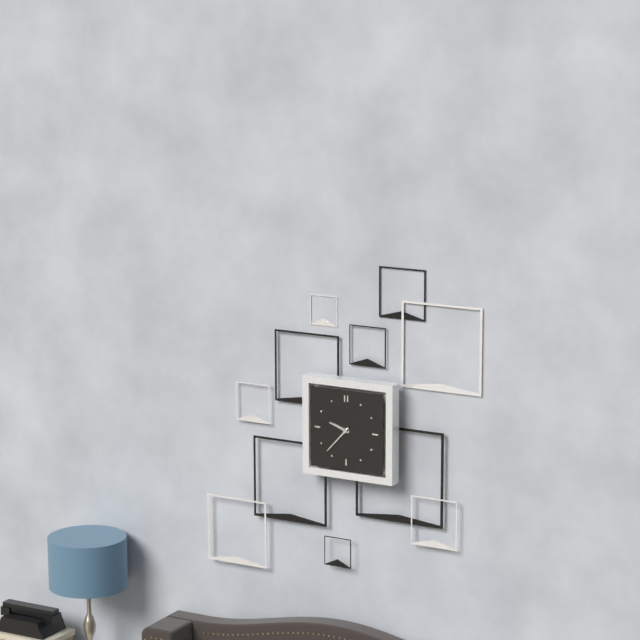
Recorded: 9.37
